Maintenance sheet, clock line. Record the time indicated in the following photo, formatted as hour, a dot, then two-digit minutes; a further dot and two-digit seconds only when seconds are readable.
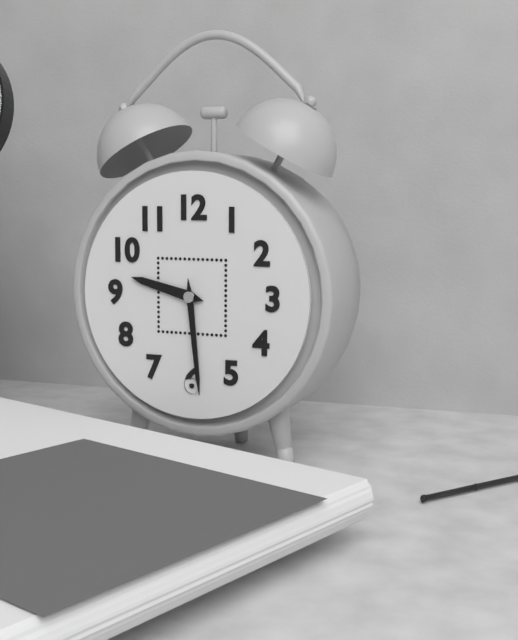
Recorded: 9.29
